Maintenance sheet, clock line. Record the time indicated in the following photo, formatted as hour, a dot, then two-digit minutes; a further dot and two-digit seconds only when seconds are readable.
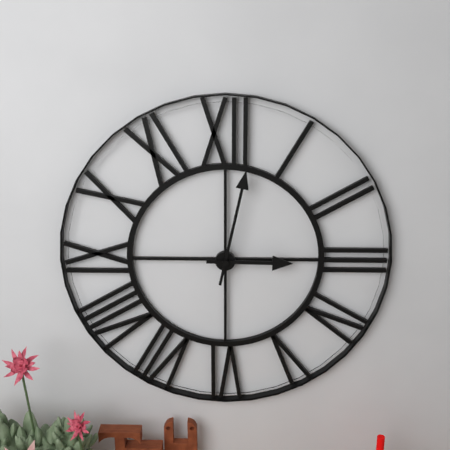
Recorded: 3.02
